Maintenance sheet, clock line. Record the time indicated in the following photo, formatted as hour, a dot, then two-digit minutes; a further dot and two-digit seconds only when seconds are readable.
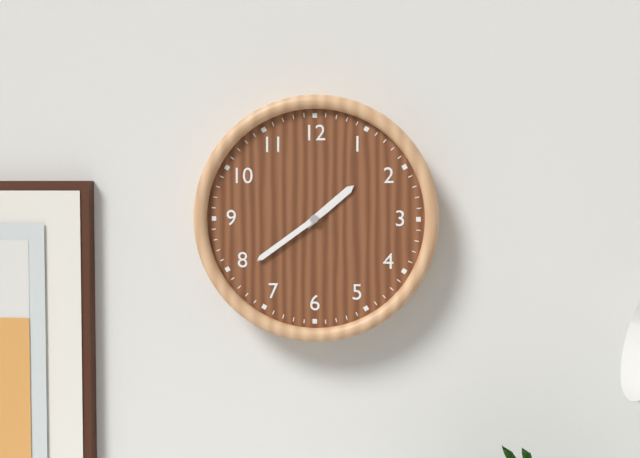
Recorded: 1.39
